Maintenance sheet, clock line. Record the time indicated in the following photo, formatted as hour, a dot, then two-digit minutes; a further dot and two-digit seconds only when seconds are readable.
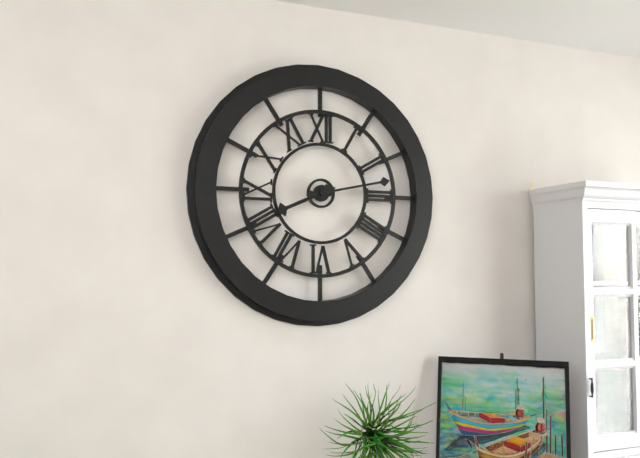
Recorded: 8.13
